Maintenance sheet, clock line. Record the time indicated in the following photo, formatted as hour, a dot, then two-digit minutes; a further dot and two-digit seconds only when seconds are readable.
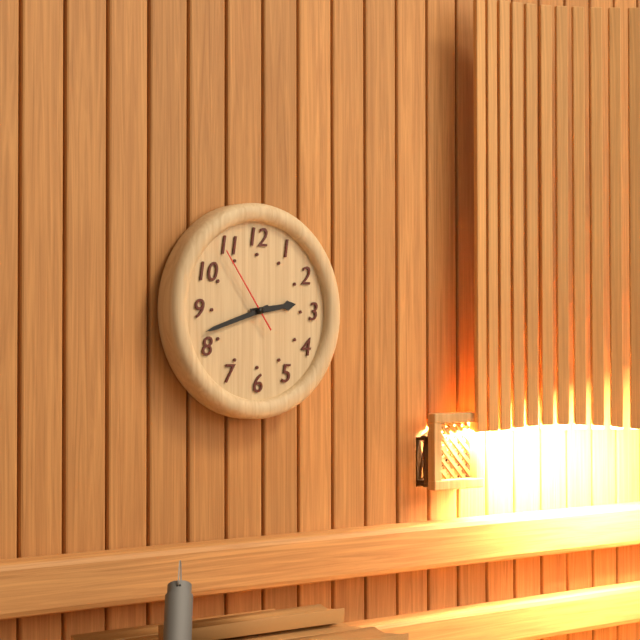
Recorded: 2.42.54
